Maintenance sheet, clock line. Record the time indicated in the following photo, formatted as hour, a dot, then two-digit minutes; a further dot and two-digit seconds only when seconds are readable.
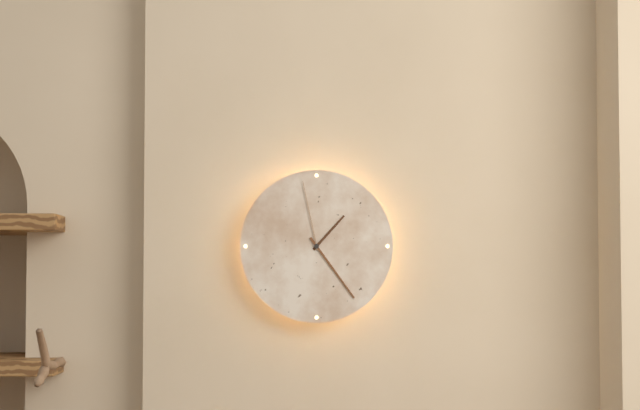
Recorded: 1.24.58
